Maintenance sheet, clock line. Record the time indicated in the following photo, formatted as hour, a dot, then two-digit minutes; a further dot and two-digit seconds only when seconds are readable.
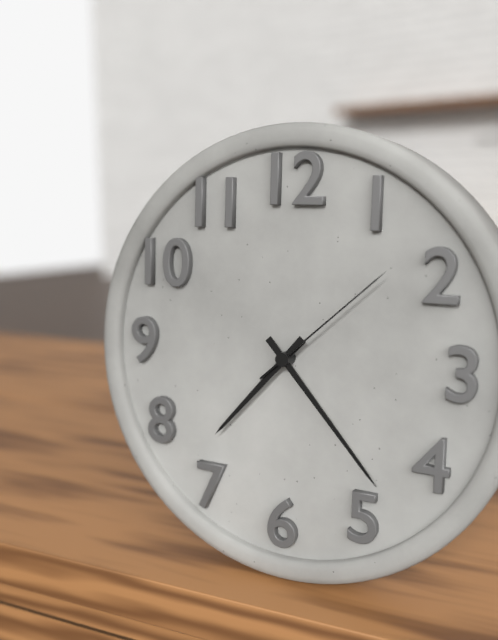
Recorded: 7.23.08
